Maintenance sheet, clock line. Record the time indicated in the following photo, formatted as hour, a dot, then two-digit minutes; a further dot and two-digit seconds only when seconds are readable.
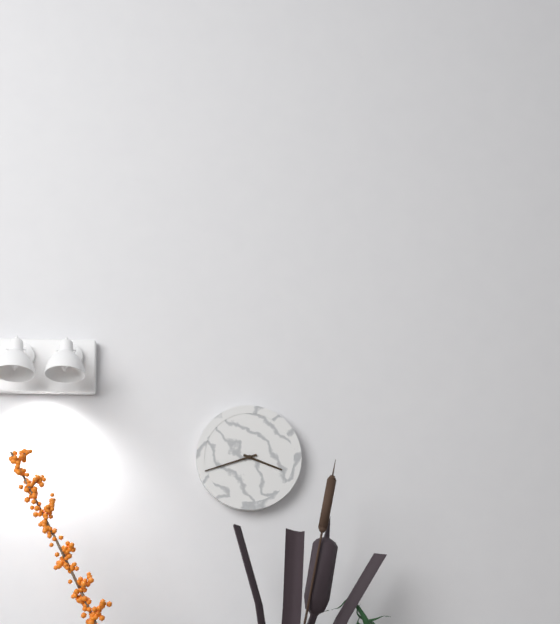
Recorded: 3.42
